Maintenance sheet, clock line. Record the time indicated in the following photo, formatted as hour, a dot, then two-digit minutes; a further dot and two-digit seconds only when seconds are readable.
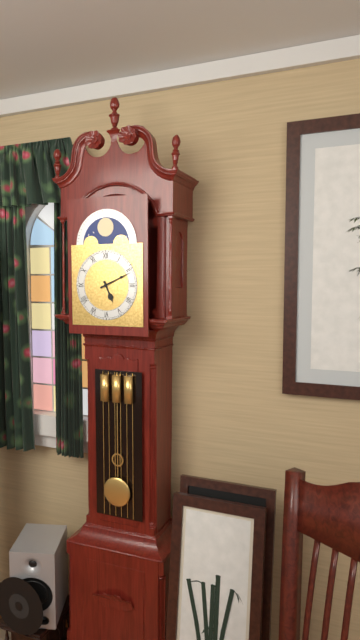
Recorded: 5.11
